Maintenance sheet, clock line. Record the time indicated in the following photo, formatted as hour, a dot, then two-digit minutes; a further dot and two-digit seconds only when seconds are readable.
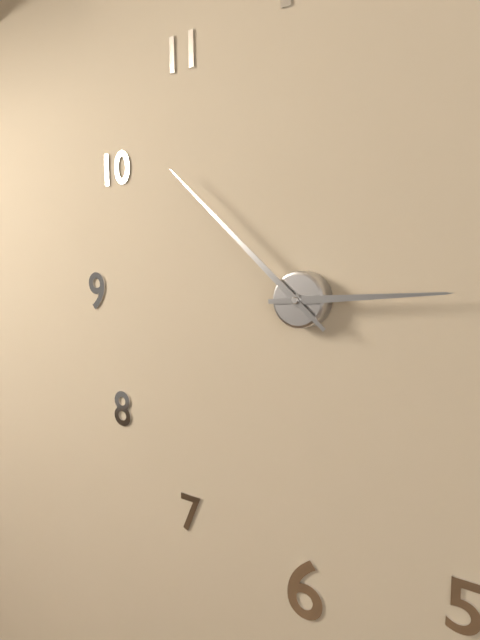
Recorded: 2.52
